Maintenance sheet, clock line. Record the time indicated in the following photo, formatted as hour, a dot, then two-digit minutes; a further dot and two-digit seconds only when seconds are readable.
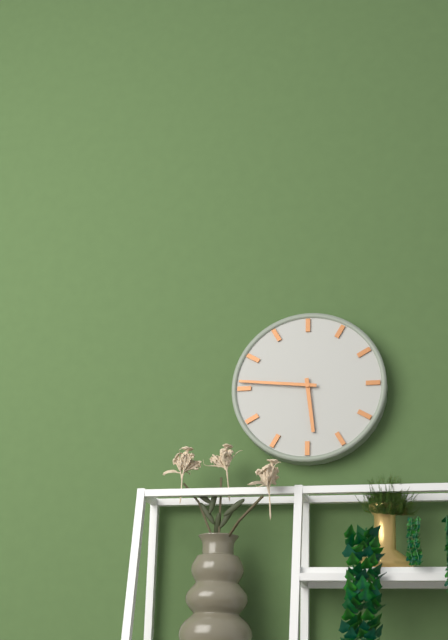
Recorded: 5.46
